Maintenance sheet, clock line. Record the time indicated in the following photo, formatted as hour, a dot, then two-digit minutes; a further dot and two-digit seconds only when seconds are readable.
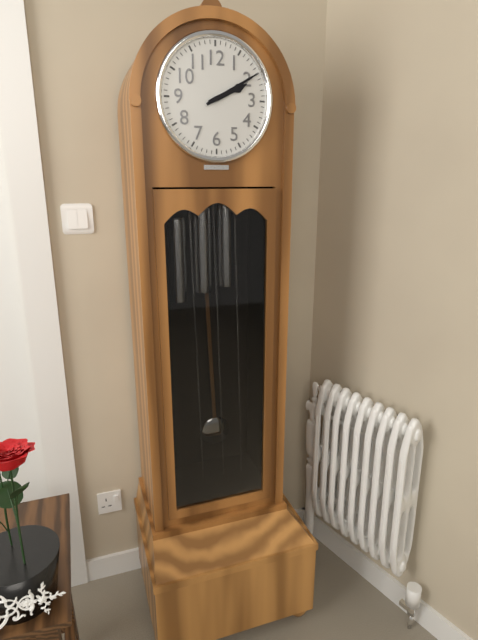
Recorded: 2.10
